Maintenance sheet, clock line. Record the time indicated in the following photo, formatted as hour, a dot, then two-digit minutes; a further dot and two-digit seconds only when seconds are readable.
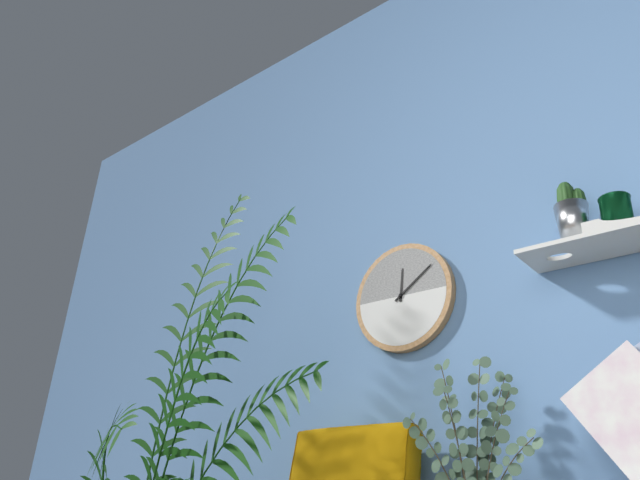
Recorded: 12.09
